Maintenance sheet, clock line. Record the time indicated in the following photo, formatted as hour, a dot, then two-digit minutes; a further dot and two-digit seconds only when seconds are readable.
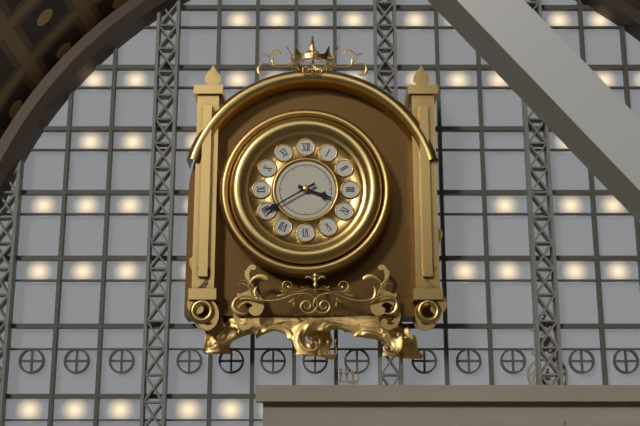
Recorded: 3.40
